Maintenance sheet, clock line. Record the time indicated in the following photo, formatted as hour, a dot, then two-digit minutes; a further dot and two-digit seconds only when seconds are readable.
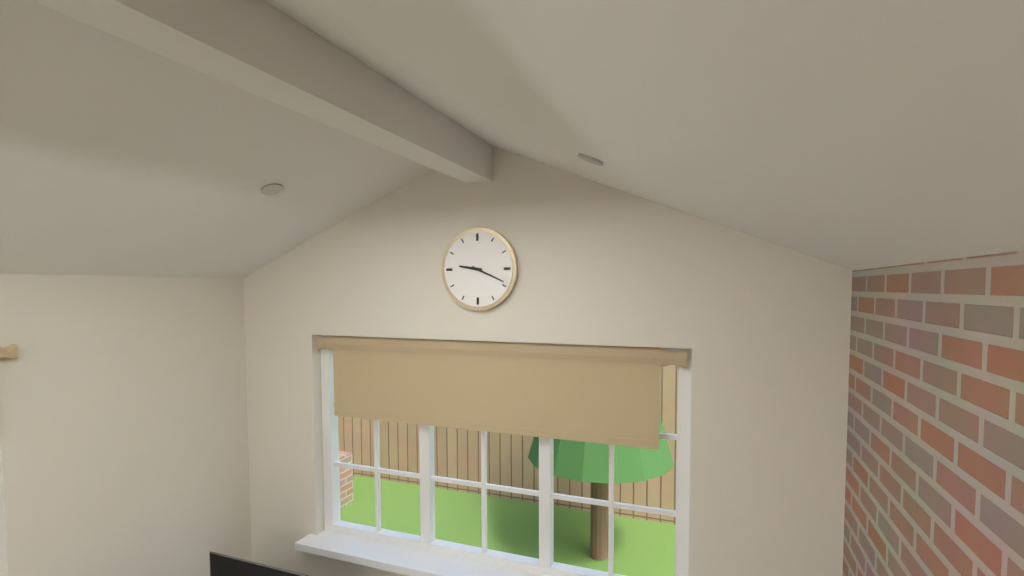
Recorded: 9.19
